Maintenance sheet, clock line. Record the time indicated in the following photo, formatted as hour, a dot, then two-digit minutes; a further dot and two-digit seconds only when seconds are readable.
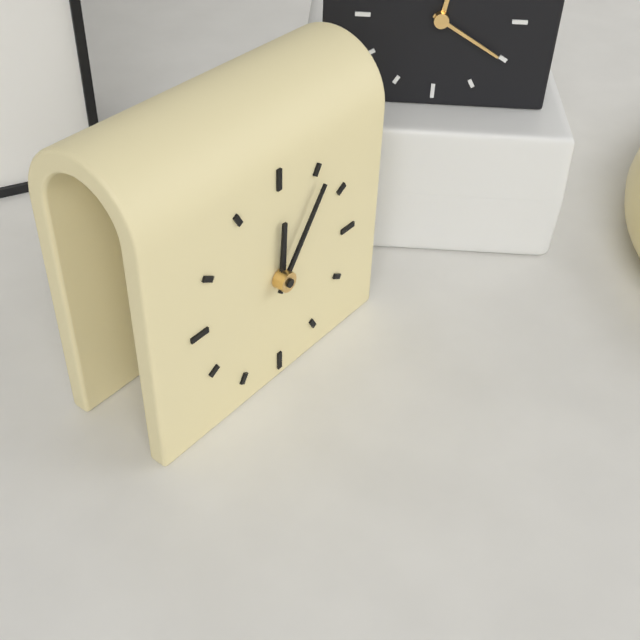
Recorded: 12.06
